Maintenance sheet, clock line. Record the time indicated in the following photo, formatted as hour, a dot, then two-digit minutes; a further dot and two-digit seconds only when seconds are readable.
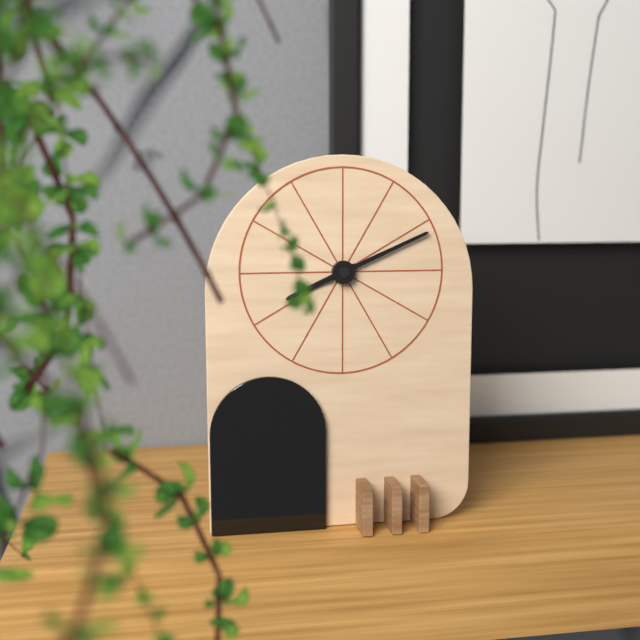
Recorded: 8.11
